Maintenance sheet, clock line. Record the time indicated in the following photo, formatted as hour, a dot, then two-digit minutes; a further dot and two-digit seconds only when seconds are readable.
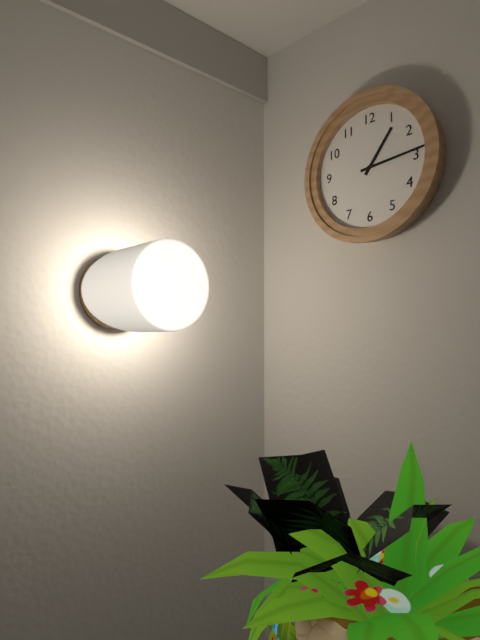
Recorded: 1.14
